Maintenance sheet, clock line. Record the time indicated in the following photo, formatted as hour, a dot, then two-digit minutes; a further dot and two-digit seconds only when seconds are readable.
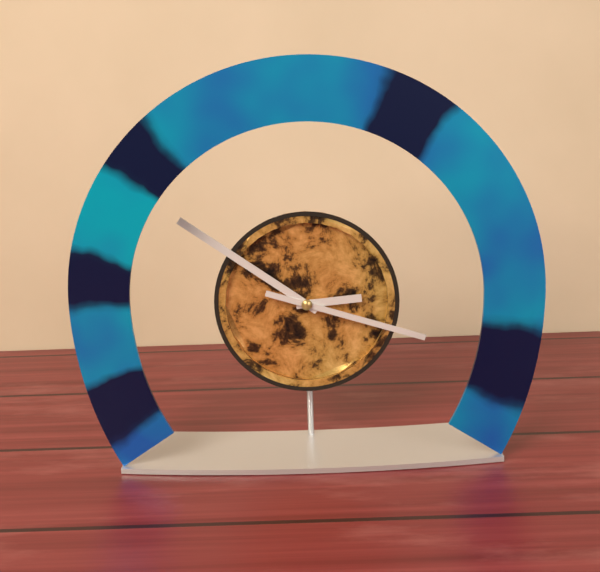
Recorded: 2.51.18
